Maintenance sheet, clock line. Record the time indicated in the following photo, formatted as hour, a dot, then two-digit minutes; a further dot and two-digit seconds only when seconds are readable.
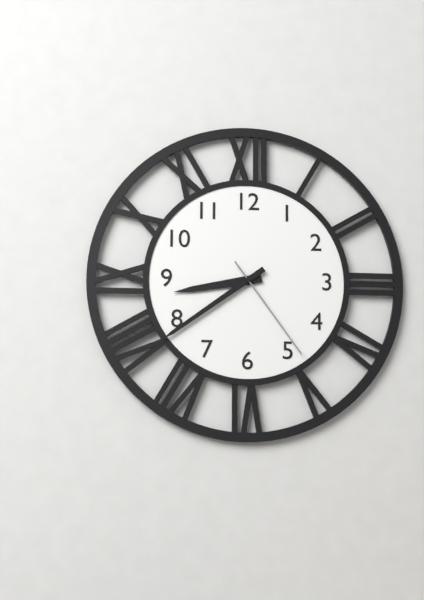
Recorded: 8.39.24
